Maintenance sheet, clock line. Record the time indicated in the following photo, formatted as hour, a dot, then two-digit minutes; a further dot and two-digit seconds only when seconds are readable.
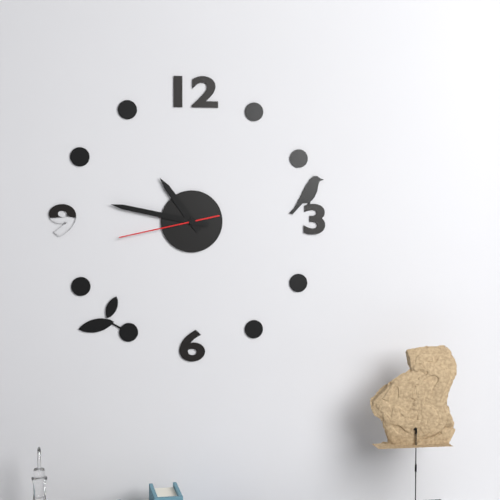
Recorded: 10.47.43
